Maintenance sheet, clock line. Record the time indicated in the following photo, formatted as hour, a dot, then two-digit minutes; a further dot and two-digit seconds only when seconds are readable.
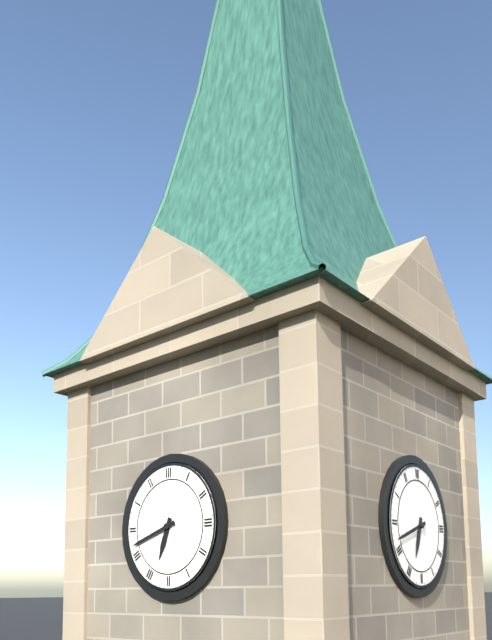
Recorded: 6.42
